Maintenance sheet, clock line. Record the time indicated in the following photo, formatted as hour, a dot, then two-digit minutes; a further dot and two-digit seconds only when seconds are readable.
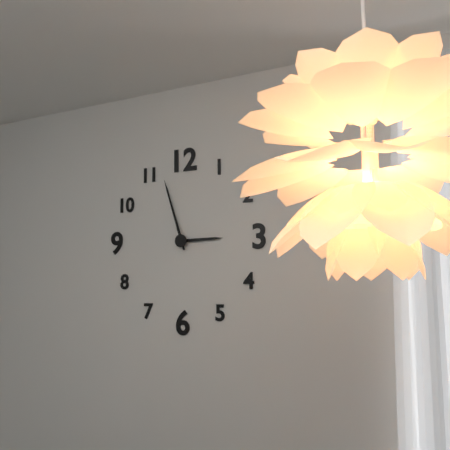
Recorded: 2.57
